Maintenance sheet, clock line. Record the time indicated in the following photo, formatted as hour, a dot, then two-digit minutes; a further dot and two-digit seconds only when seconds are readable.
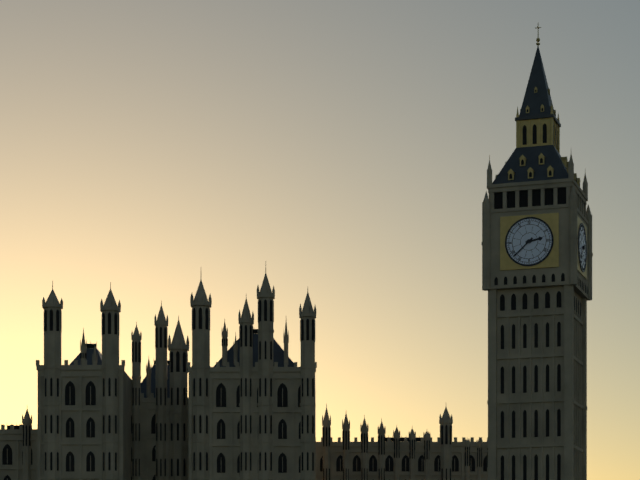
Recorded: 2.38
